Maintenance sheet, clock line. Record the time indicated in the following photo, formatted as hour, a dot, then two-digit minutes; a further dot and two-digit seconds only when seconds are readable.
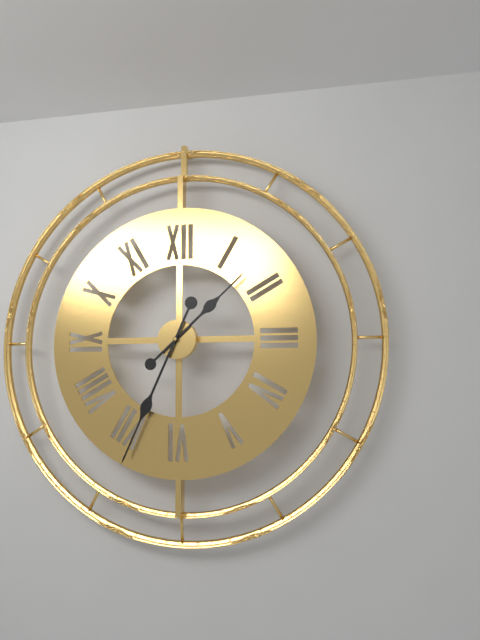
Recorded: 1.34
